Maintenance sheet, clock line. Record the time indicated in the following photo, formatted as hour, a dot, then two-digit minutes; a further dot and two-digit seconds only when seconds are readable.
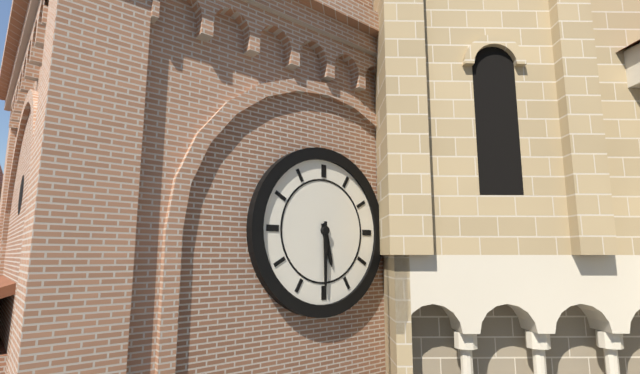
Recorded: 5.30
